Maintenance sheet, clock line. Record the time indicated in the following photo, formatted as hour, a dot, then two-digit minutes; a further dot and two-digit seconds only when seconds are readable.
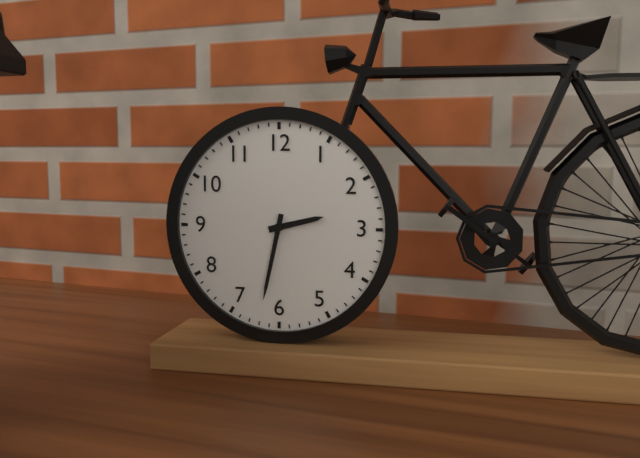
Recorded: 2.32
